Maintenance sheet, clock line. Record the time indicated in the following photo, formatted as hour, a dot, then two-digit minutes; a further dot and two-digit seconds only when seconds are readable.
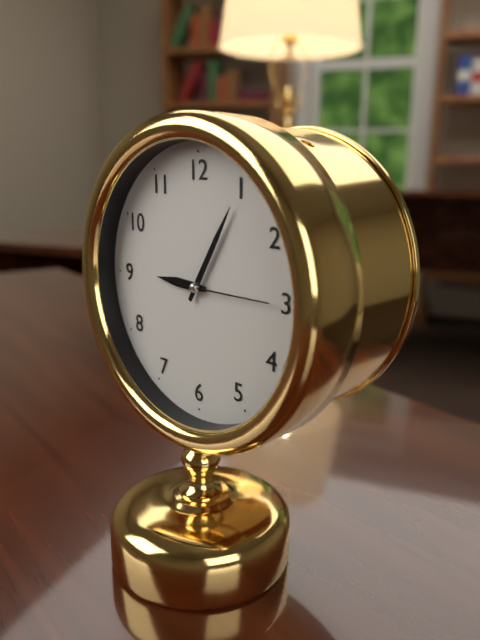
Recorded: 9.05.15
